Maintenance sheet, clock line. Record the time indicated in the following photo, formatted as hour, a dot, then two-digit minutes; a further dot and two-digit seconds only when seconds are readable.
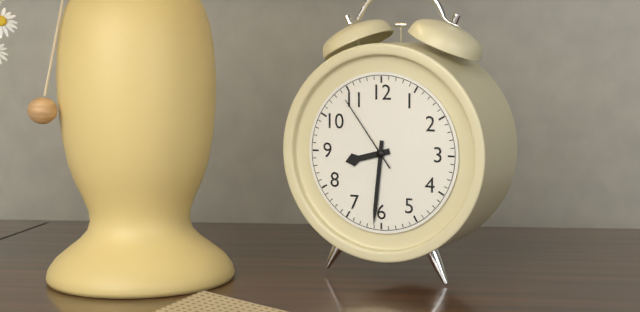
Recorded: 8.31.54
